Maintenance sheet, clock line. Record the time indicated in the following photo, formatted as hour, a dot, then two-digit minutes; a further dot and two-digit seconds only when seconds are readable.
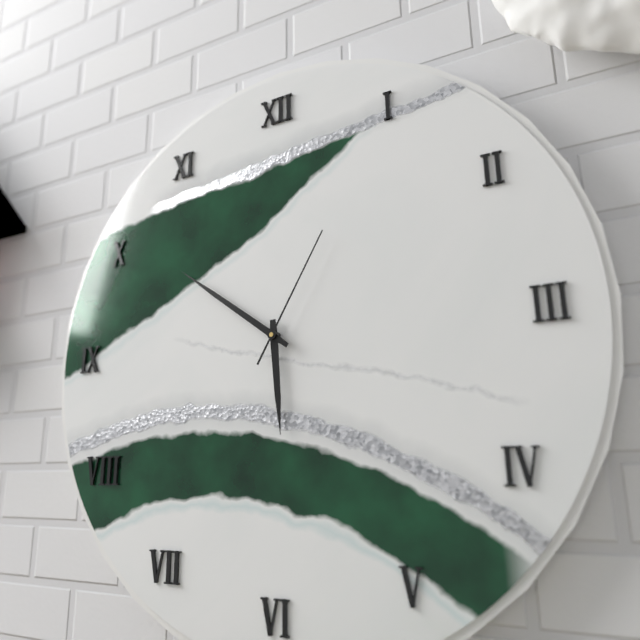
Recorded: 5.51.05
